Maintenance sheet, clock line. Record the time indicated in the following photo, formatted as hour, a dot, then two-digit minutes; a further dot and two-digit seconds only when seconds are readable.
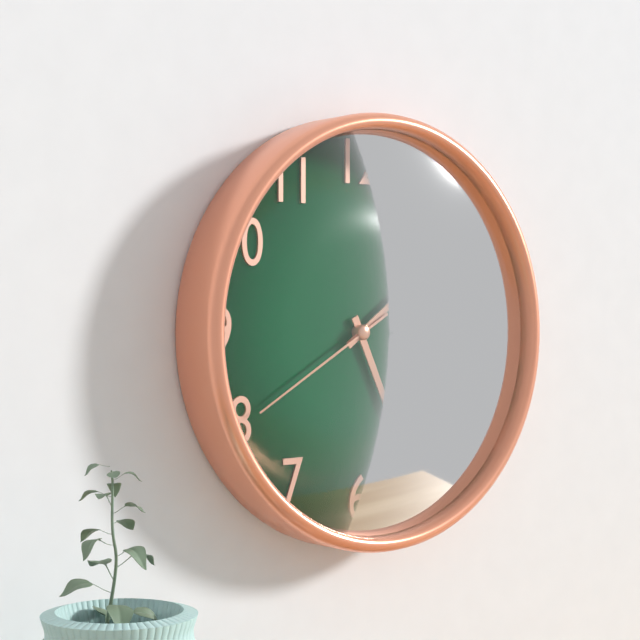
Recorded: 5.09.40
